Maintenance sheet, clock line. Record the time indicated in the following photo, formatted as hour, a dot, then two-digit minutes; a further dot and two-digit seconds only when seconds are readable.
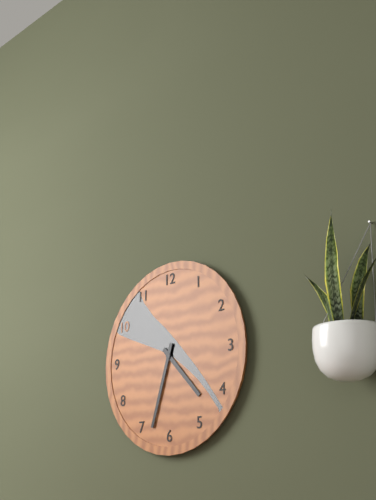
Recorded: 4.33
